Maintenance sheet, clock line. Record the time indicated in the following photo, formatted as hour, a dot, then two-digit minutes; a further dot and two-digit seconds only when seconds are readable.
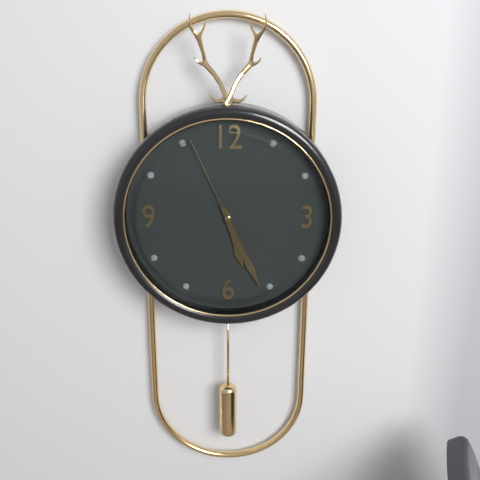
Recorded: 5.26.56
